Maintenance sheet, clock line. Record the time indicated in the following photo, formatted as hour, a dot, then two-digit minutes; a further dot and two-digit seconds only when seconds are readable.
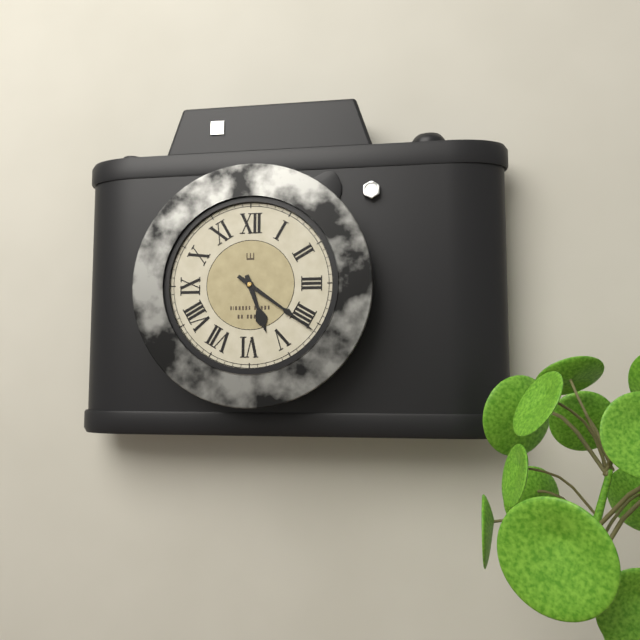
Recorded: 5.21
